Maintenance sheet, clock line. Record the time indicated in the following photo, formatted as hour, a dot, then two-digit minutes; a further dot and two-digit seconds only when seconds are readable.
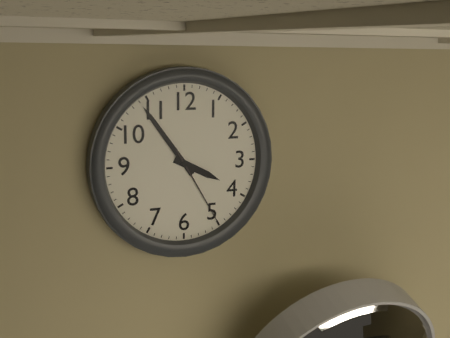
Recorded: 3.54.25
